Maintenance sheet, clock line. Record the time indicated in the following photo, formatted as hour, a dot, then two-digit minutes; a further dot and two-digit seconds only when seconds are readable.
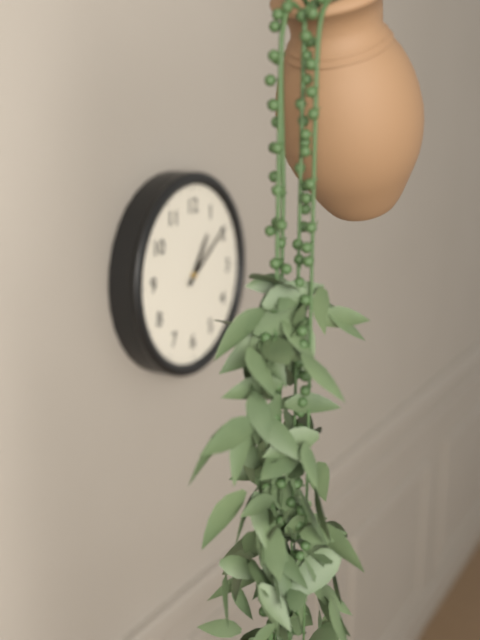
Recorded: 1.09
